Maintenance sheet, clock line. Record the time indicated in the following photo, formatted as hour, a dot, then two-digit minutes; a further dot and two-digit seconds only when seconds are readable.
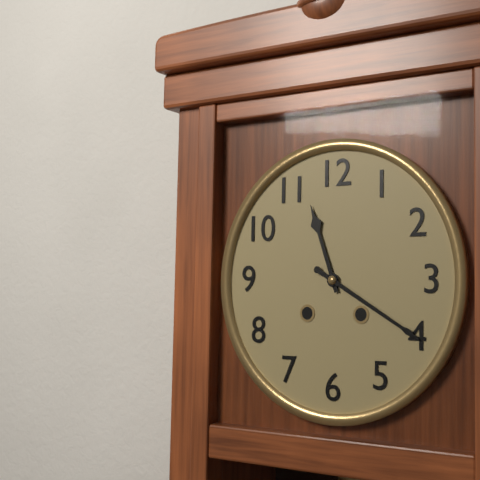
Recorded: 11.20
